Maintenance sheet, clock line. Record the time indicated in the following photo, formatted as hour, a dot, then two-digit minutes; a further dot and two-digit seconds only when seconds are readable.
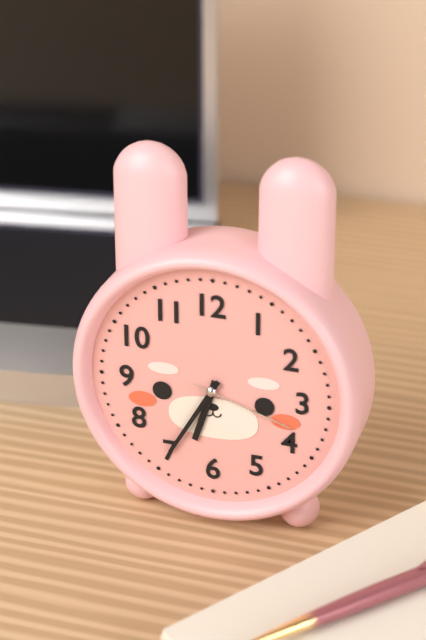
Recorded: 6.35.18
